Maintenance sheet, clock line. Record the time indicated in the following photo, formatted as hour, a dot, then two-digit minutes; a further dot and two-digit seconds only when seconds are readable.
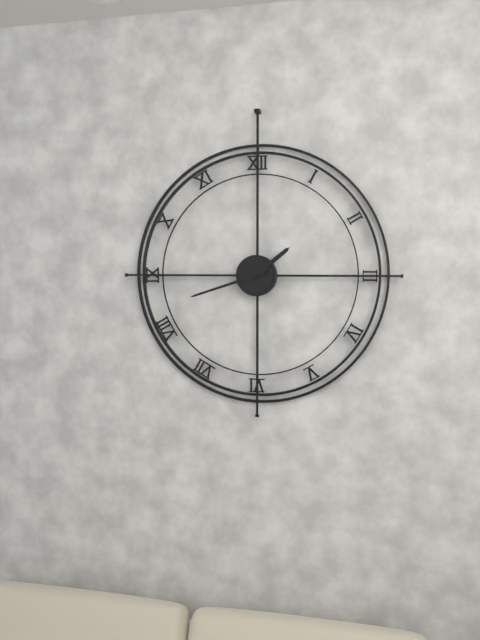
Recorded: 1.42
